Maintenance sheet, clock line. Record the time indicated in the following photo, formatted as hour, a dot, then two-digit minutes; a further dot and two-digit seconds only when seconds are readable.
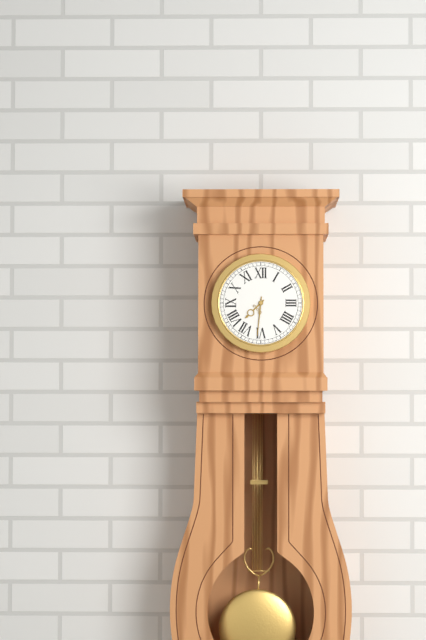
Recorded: 7.31
